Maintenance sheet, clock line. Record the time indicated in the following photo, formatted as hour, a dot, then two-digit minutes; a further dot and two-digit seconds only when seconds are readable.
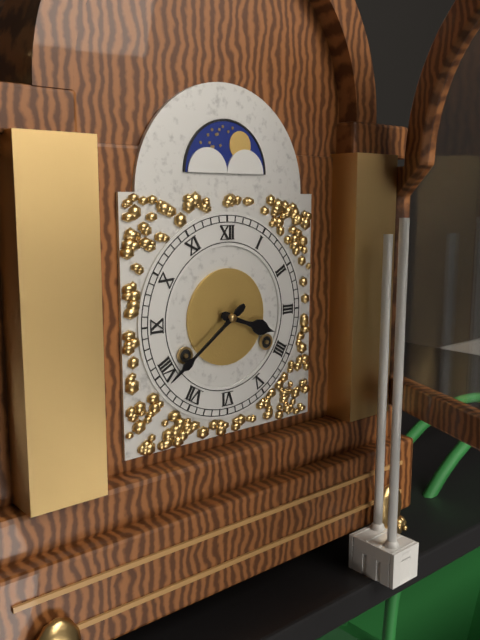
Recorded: 3.39
